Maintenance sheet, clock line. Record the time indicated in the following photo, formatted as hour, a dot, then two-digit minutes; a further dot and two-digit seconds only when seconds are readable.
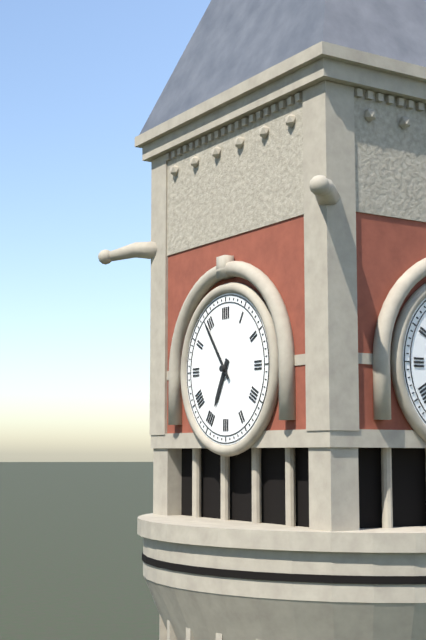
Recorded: 6.54
